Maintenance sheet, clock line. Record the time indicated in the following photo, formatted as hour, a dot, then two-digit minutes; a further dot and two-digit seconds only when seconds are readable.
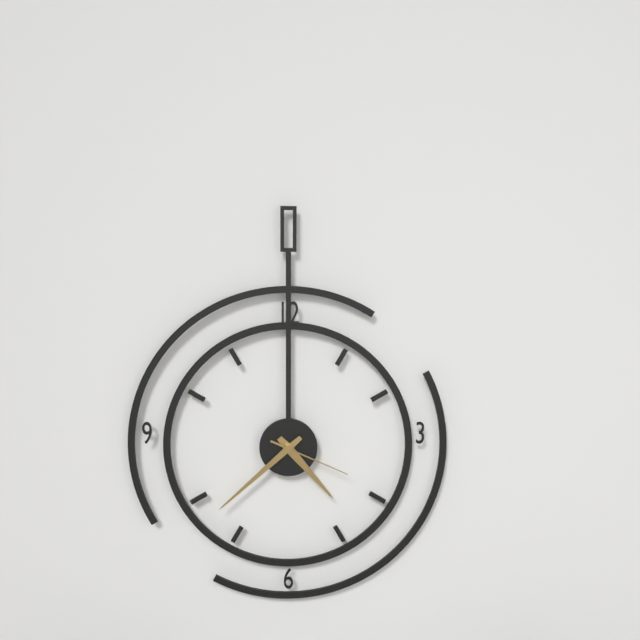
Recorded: 4.38.19
